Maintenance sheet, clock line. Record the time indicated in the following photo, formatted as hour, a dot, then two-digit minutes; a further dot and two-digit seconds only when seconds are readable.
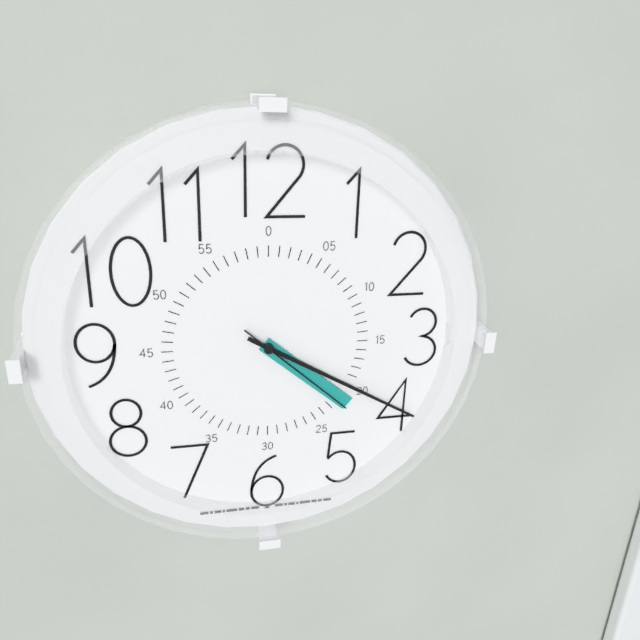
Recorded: 4.20.22
